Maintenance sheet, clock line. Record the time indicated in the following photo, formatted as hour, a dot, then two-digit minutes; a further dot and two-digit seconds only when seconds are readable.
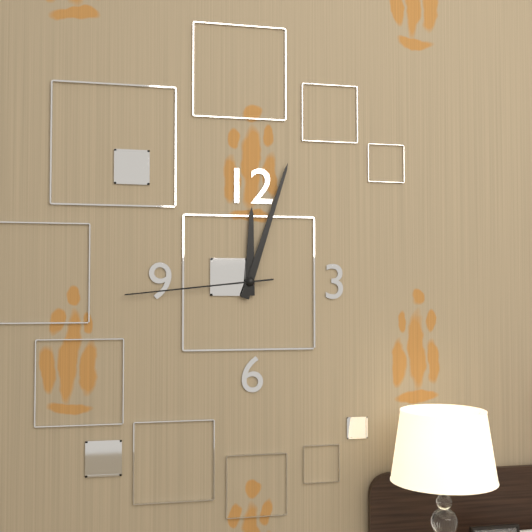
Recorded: 12.03.44
